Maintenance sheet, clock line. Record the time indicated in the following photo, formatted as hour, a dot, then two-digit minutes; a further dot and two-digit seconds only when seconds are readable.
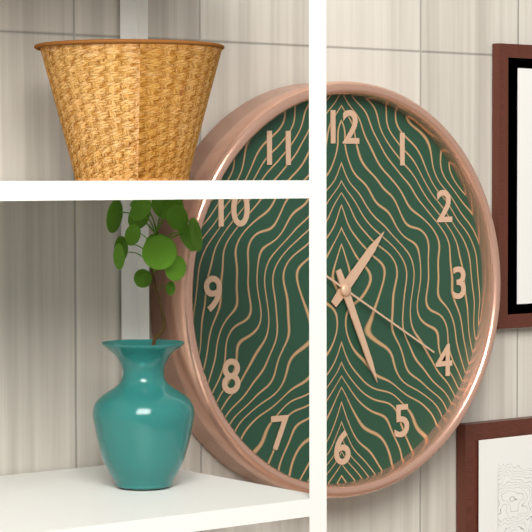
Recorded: 1.26.20
